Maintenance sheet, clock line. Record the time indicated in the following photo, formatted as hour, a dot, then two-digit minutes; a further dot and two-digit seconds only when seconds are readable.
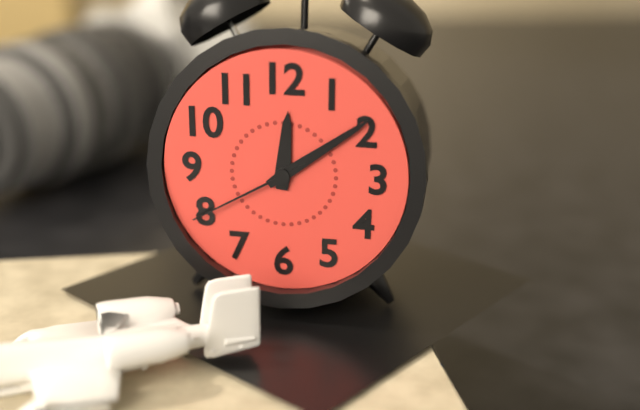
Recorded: 12.09.40
